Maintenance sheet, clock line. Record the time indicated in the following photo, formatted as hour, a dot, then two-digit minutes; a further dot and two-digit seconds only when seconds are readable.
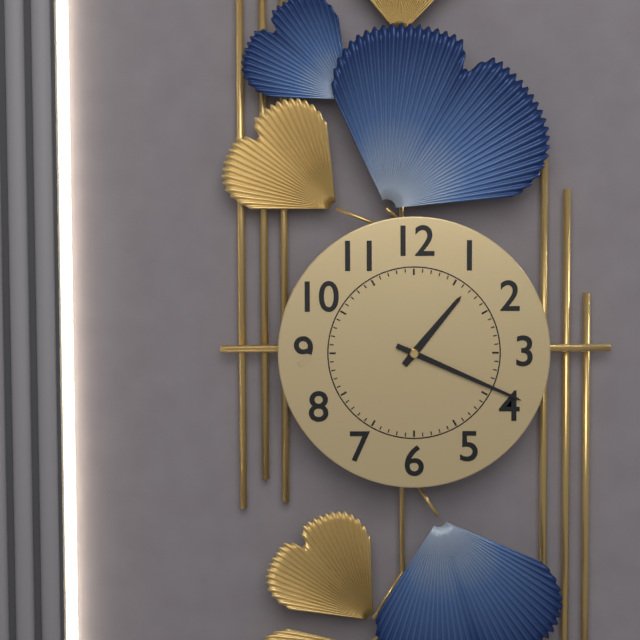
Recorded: 1.19
